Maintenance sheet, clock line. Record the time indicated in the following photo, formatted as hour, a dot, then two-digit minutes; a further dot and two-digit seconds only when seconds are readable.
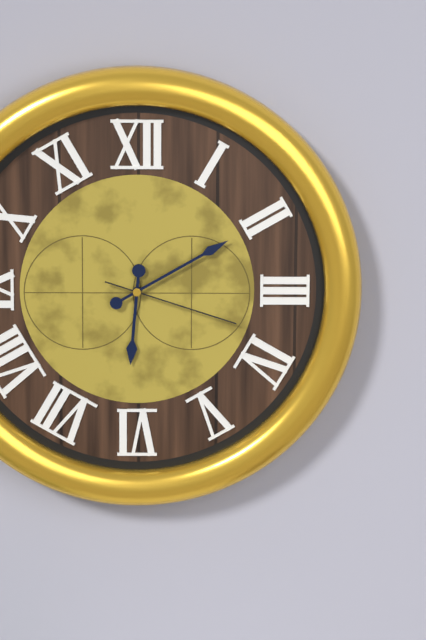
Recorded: 6.10.18
